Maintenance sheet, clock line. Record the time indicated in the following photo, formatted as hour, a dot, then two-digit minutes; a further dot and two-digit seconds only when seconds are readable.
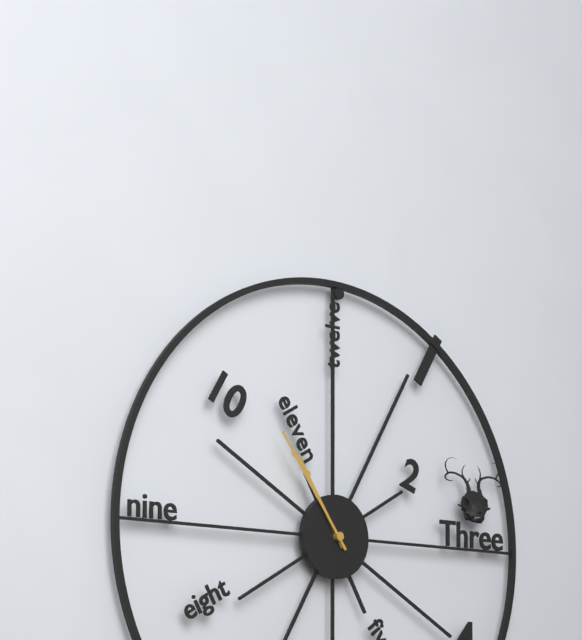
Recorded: 10.54
